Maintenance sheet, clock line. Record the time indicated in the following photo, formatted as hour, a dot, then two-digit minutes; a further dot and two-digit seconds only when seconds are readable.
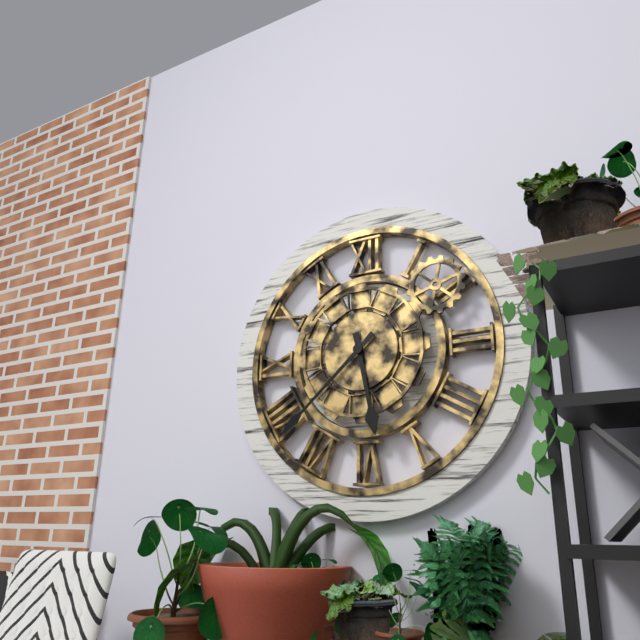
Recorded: 5.38
